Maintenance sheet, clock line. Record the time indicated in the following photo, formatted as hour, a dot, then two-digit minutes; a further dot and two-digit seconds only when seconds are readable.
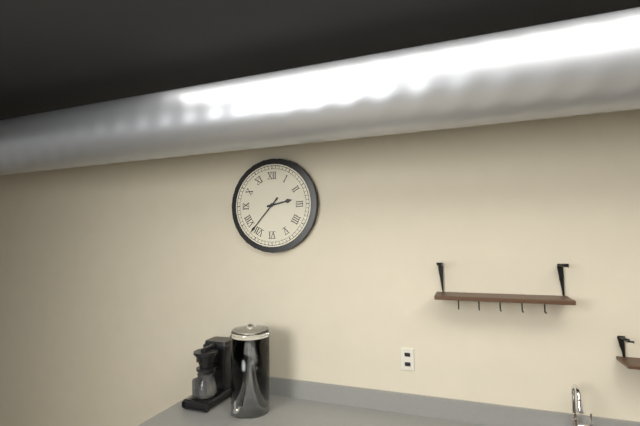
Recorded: 2.37
